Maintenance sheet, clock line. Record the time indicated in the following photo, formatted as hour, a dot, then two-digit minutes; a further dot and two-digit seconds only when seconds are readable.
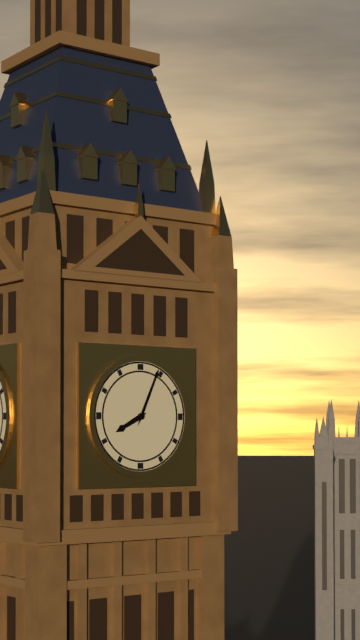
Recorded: 8.04
